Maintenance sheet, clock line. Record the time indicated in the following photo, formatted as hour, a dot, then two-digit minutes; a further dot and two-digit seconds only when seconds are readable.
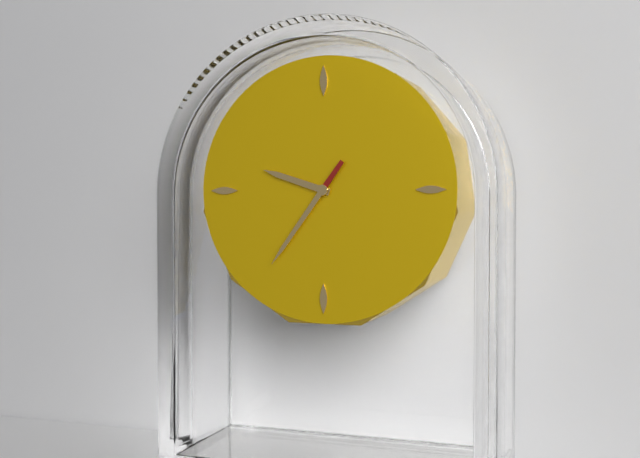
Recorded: 9.36
